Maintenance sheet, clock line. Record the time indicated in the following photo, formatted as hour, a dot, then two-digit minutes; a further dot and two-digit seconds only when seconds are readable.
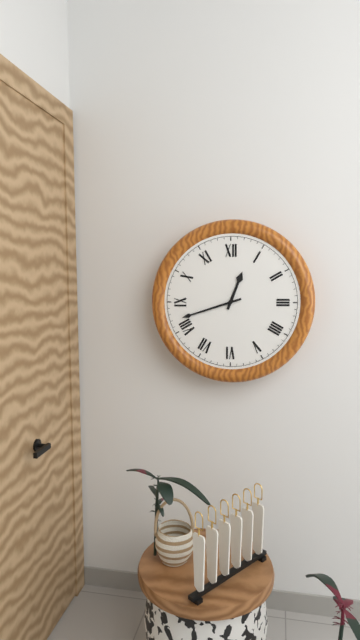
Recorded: 12.42
